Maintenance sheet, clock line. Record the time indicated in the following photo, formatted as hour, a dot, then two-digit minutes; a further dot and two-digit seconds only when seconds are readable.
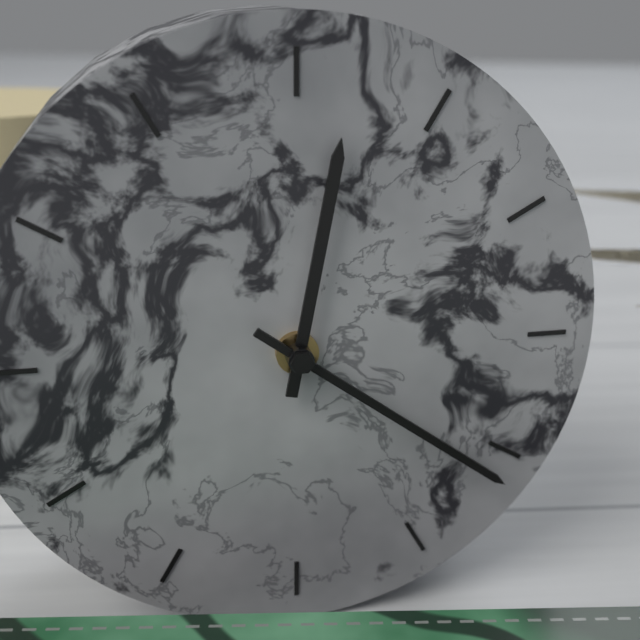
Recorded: 12.21
